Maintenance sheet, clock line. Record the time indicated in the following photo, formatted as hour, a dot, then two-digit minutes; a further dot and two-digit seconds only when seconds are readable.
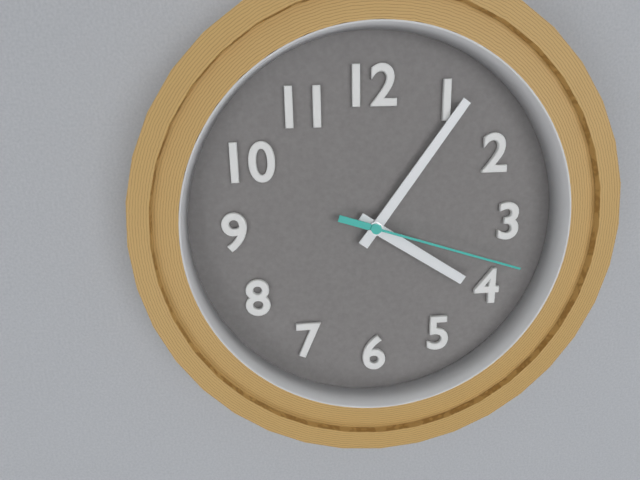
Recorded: 4.06.18
